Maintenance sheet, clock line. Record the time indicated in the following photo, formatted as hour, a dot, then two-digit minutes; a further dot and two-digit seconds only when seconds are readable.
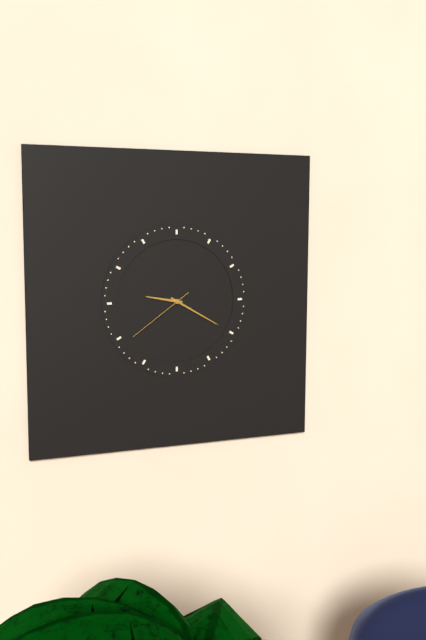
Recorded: 9.20.39
